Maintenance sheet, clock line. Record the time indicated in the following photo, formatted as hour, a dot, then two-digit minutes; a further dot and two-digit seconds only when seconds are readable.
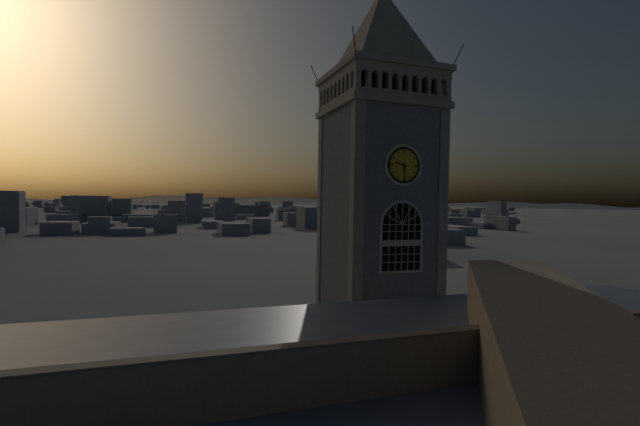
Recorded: 9.29
